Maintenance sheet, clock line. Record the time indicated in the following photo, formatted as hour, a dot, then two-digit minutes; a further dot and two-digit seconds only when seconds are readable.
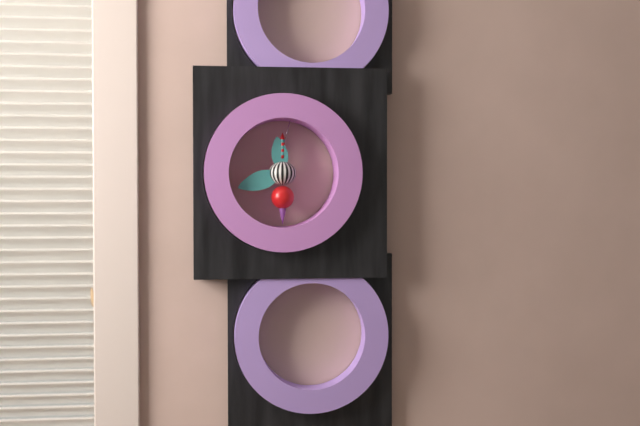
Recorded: 11.42
